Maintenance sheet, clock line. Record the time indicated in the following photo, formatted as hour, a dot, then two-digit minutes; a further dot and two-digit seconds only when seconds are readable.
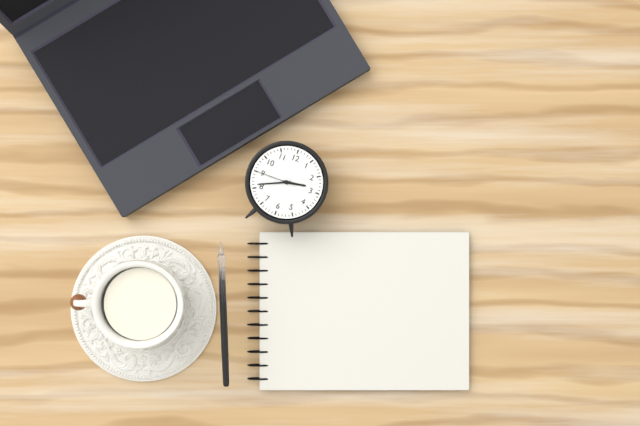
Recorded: 2.41
